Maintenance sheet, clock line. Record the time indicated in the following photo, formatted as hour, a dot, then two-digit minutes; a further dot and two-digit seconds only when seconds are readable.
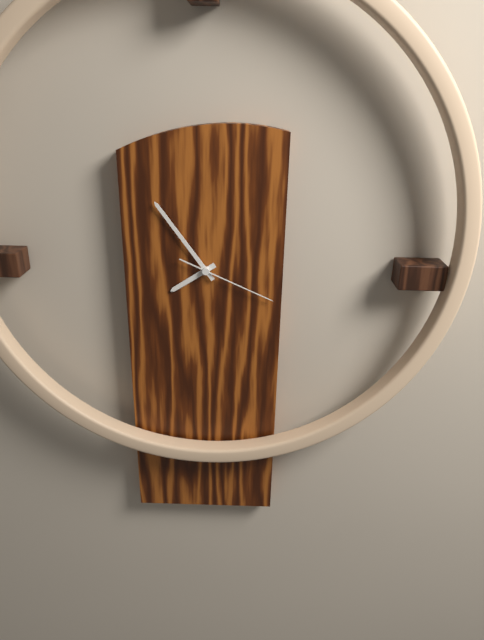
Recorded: 7.54.19
